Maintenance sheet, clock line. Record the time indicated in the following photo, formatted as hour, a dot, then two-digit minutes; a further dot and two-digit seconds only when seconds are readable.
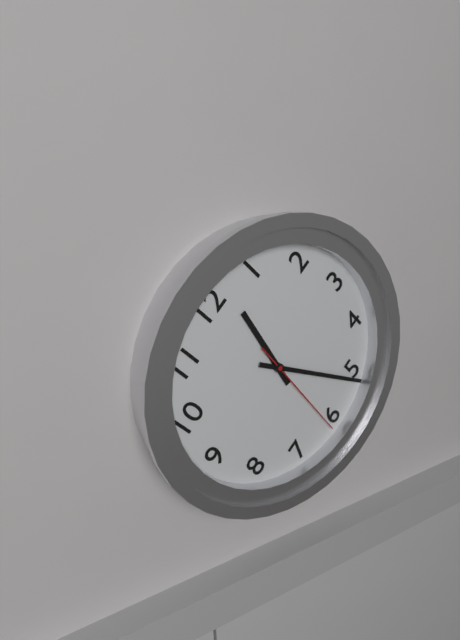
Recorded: 12.26.31
